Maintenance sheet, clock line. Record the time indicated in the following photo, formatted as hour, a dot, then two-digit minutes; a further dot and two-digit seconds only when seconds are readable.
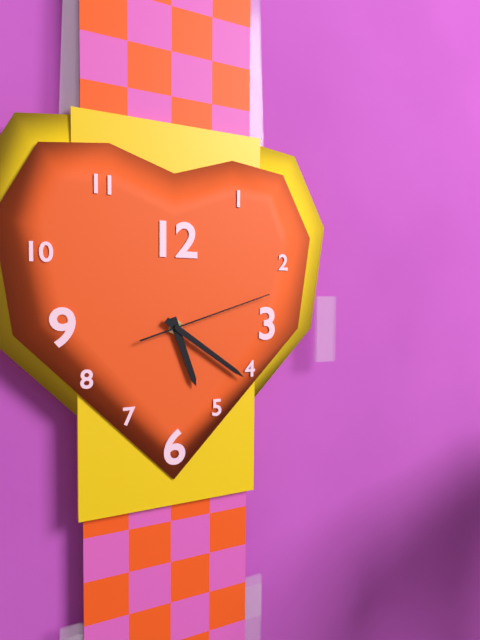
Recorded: 5.21.12
